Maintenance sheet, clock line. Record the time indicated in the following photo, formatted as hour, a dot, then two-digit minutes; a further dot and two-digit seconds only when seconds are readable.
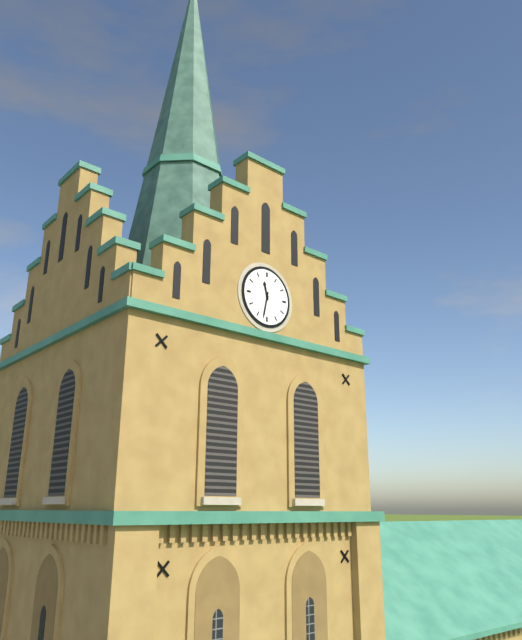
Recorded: 11.32
